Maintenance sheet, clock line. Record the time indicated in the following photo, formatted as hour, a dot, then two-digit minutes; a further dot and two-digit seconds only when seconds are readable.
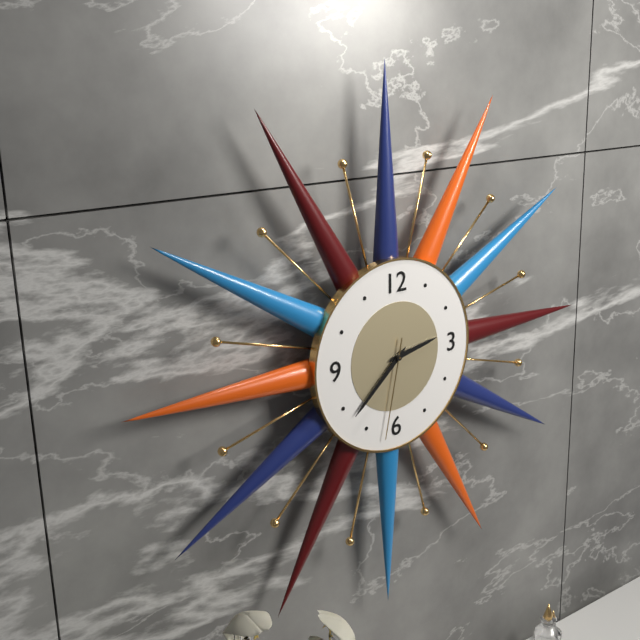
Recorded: 2.38.32
